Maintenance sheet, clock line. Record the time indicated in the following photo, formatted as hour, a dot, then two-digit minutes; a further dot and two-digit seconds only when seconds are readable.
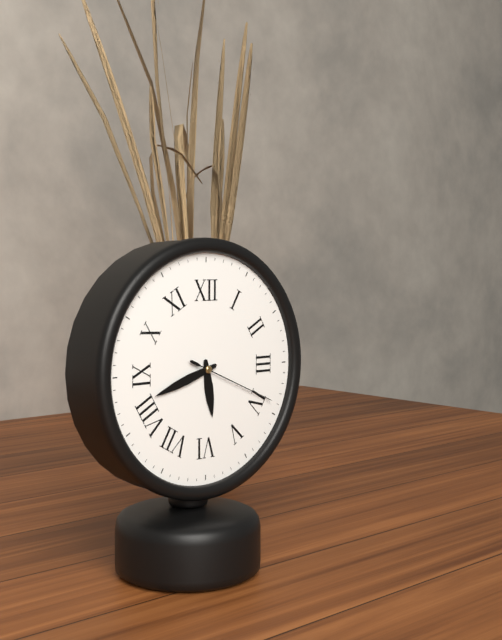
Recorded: 5.42.19
